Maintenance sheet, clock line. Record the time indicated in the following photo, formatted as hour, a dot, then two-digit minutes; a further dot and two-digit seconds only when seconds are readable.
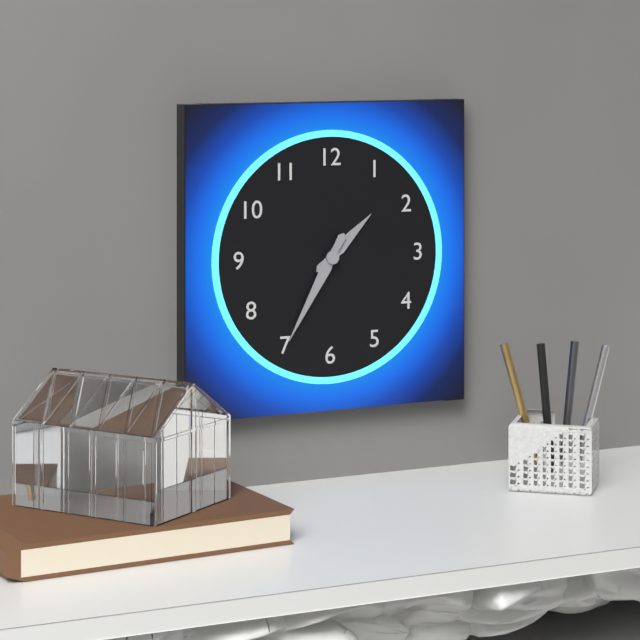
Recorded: 1.35
